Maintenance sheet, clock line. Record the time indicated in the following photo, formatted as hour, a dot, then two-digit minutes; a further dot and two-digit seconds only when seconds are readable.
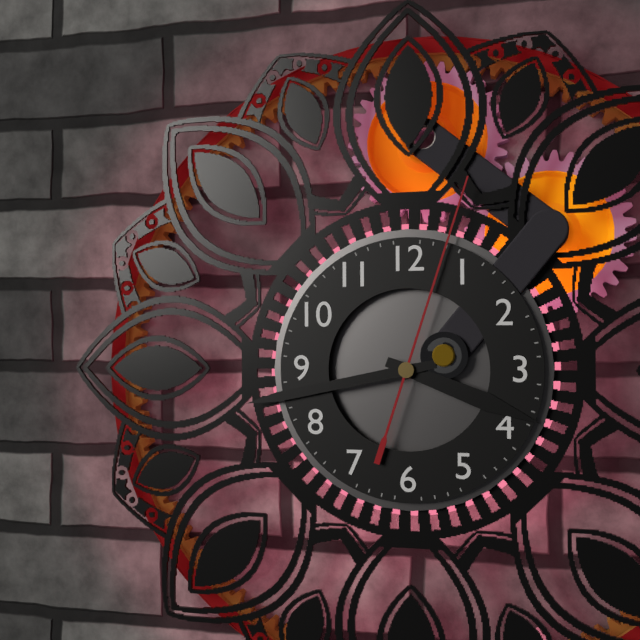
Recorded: 3.43.03
